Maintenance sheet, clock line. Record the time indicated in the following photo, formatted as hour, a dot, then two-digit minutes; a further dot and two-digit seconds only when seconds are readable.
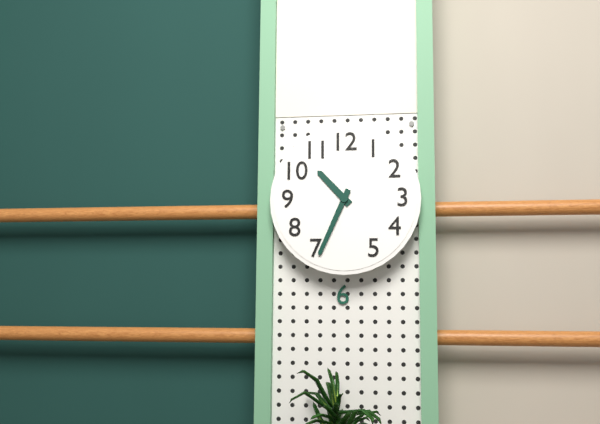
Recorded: 10.34
